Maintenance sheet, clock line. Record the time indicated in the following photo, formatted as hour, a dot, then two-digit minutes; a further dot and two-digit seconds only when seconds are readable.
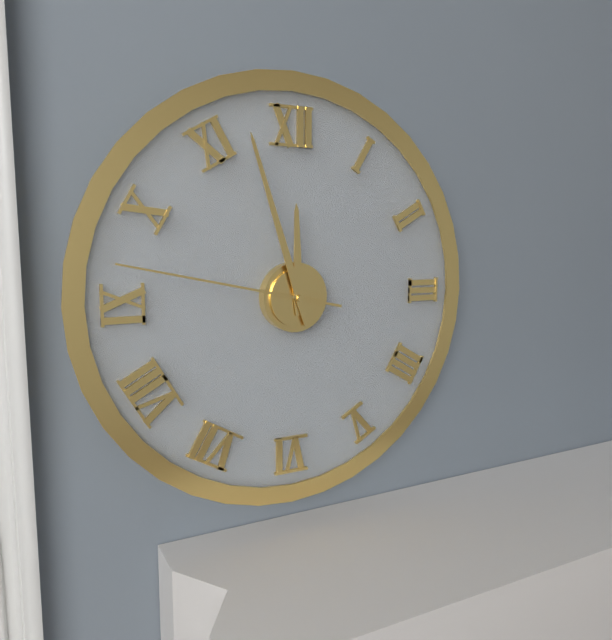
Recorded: 11.57.47
